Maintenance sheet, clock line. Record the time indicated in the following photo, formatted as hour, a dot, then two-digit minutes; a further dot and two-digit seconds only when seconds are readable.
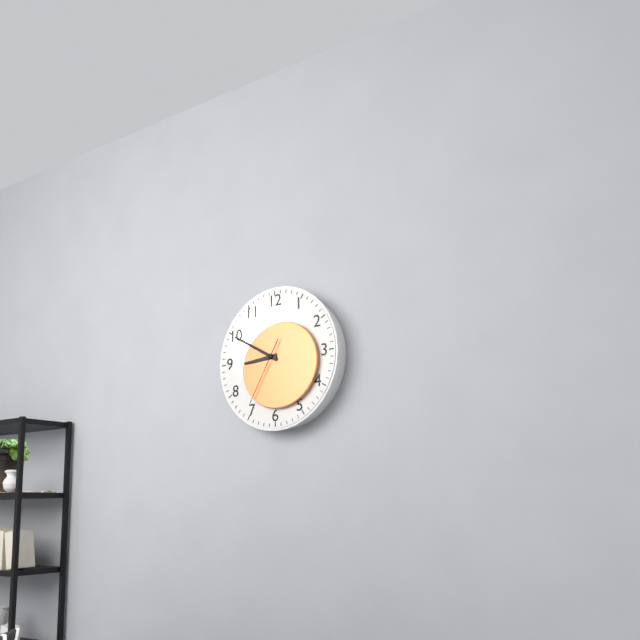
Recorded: 8.50.35
